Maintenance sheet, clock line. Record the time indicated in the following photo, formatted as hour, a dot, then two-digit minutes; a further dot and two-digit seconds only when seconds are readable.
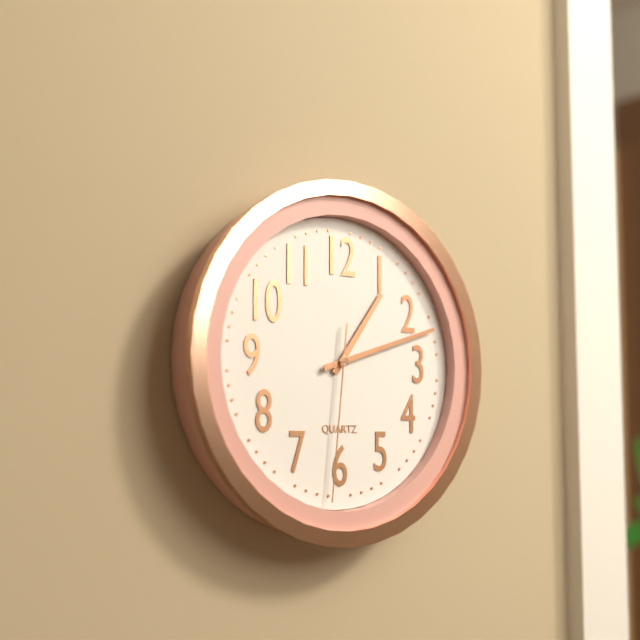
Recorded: 1.12.31
